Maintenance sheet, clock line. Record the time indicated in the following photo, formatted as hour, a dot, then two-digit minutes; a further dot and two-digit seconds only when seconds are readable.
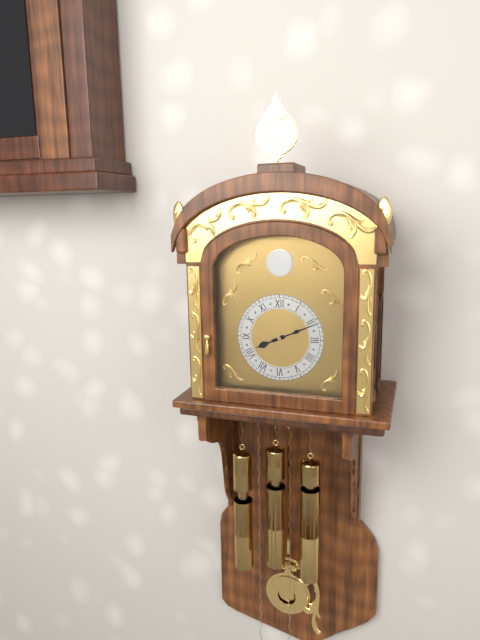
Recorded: 8.11
